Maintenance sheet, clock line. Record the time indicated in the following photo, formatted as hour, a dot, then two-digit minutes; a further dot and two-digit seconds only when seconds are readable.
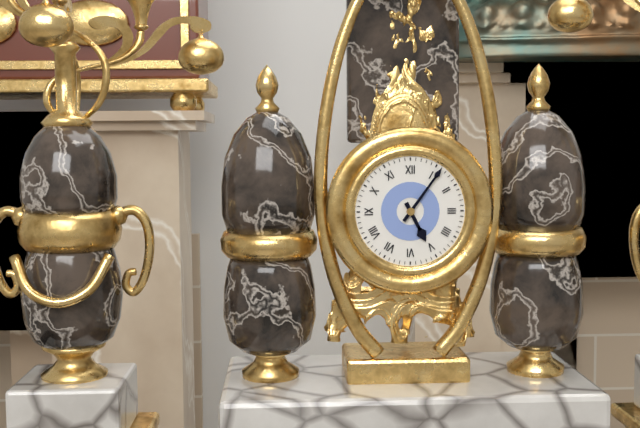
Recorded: 5.06
